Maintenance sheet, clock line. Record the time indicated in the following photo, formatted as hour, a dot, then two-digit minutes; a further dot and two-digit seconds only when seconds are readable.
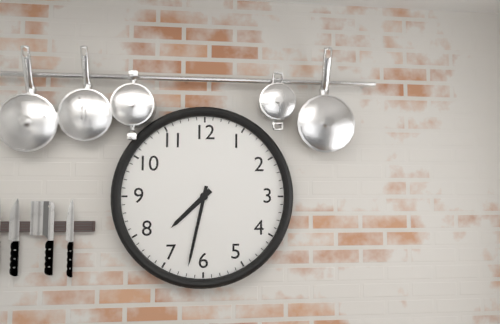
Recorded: 7.32
